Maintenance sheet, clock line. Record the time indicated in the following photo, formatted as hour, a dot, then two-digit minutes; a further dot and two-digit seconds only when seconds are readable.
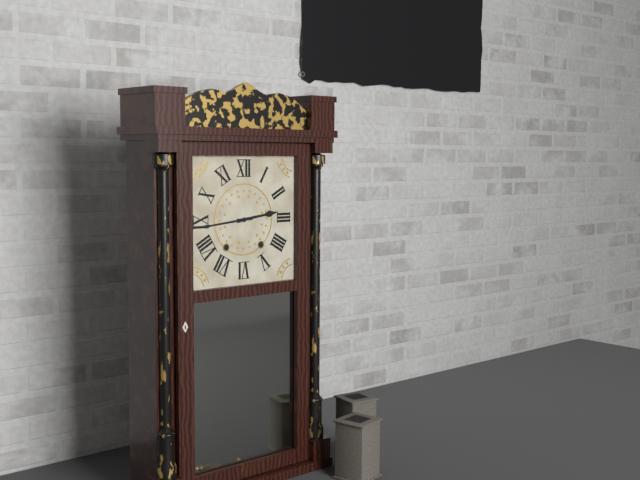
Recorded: 2.44
